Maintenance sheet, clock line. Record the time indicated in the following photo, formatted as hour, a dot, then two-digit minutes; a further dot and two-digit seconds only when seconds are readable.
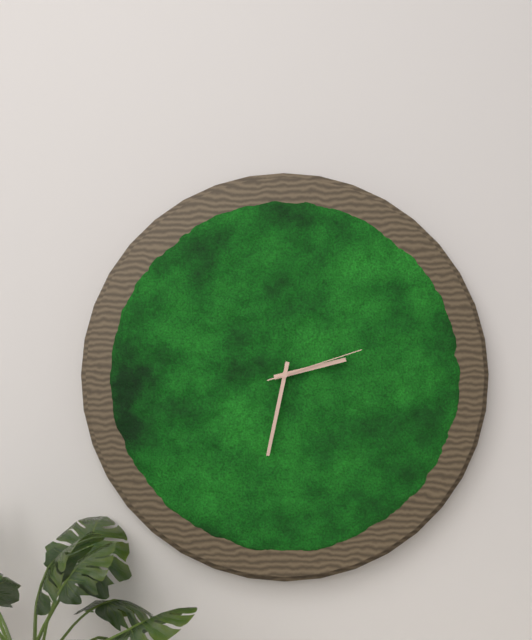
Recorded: 2.32.12
